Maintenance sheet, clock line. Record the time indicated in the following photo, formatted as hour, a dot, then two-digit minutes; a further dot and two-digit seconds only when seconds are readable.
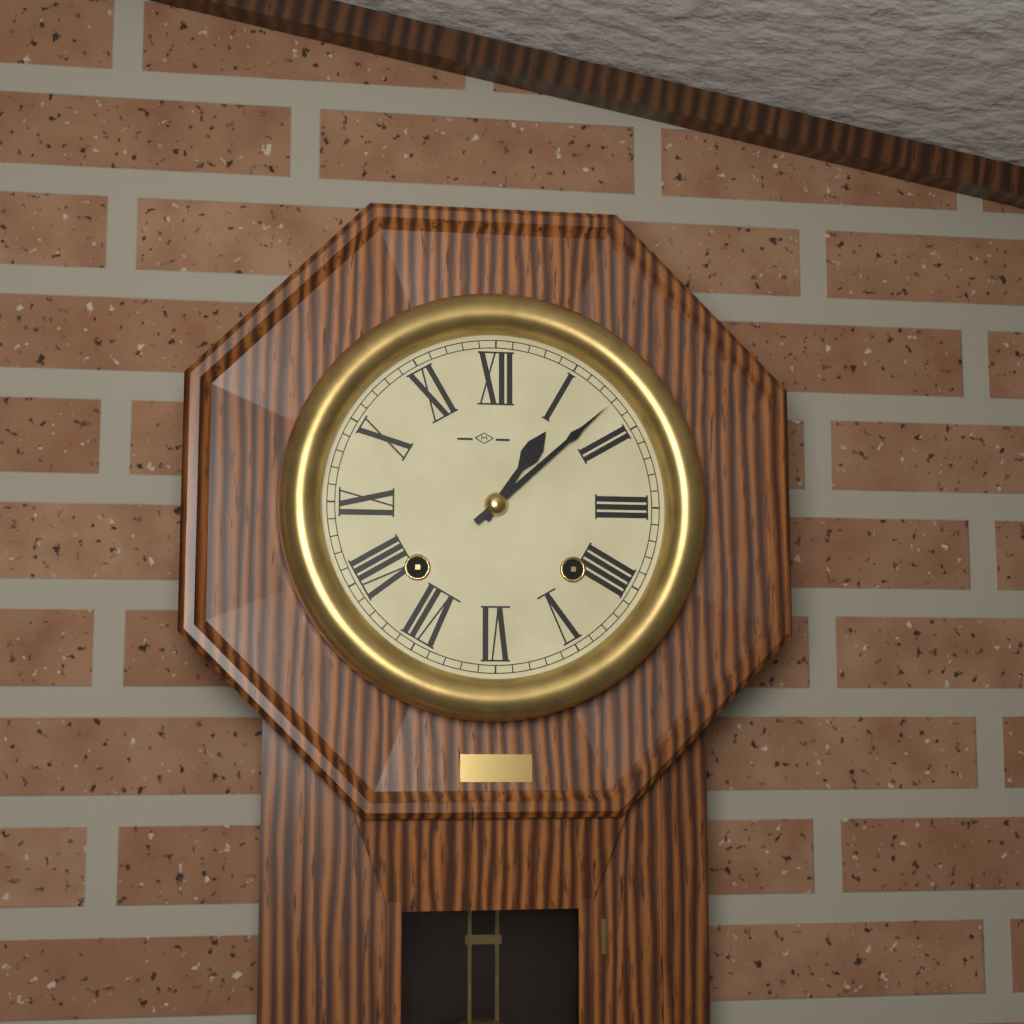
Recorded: 1.08
